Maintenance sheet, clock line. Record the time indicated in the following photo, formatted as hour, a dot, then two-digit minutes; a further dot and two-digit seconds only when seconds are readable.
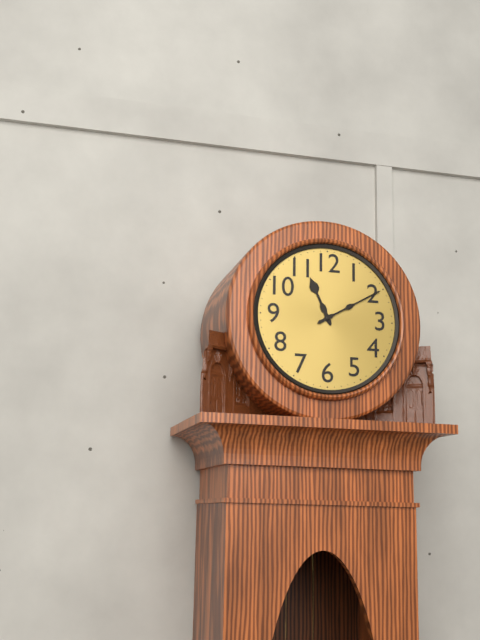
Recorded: 11.10
